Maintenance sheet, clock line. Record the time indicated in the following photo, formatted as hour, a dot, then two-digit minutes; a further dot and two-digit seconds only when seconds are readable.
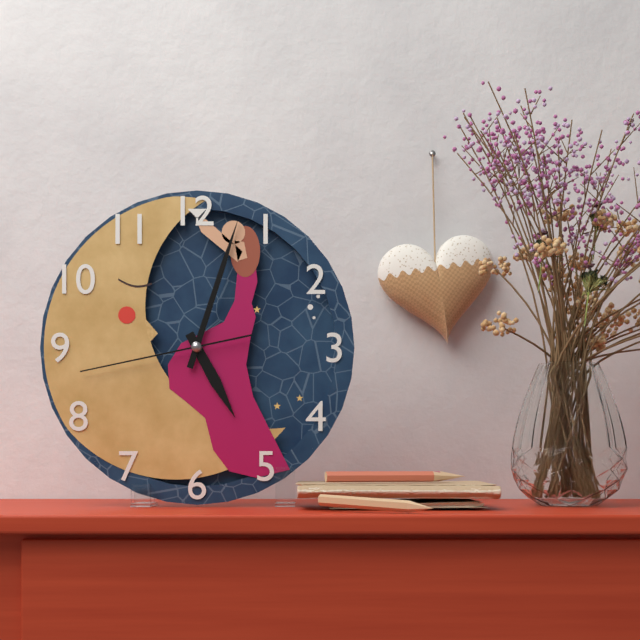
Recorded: 5.03.43
